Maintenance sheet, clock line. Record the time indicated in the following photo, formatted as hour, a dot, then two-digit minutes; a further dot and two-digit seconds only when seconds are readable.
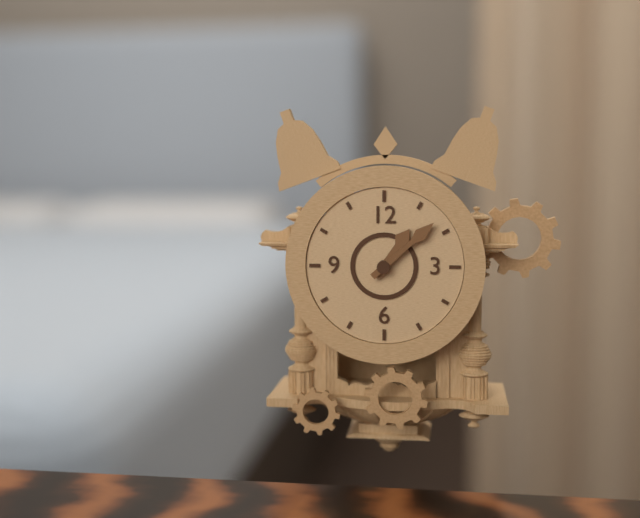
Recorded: 1.08
